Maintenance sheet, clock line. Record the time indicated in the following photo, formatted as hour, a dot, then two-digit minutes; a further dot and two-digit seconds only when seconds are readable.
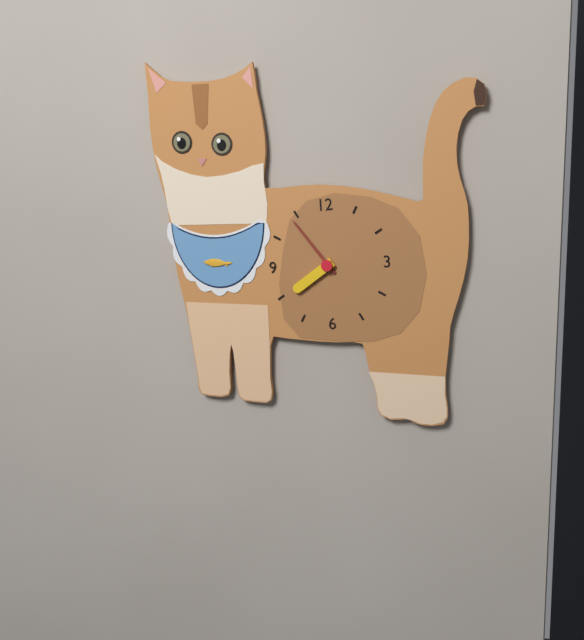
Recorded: 7.54
